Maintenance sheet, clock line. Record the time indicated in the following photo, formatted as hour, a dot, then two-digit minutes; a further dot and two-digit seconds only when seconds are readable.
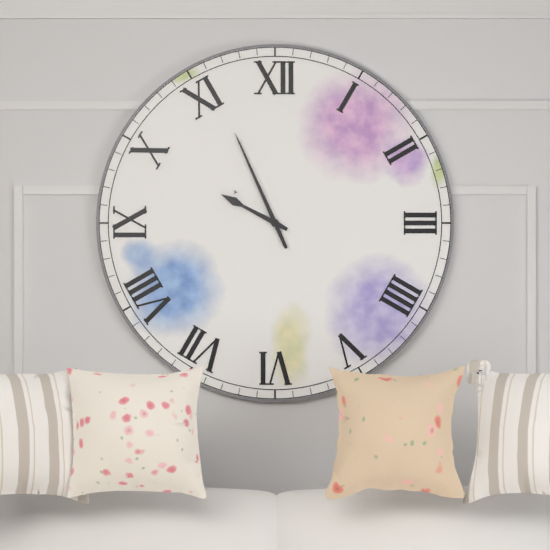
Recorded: 9.56
